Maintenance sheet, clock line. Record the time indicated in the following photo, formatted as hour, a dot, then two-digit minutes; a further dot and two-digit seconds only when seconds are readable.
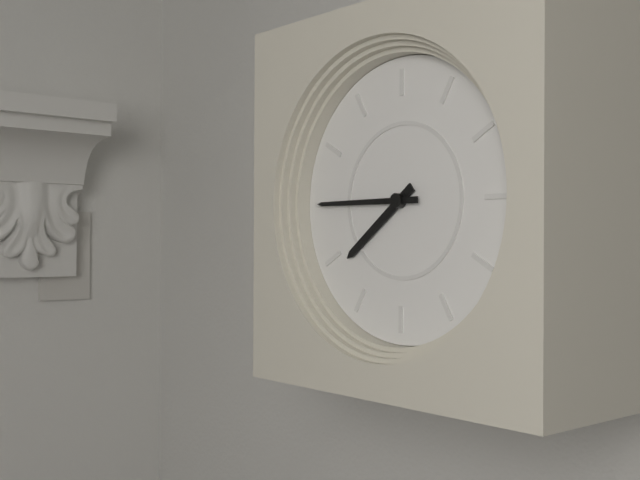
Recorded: 7.45
